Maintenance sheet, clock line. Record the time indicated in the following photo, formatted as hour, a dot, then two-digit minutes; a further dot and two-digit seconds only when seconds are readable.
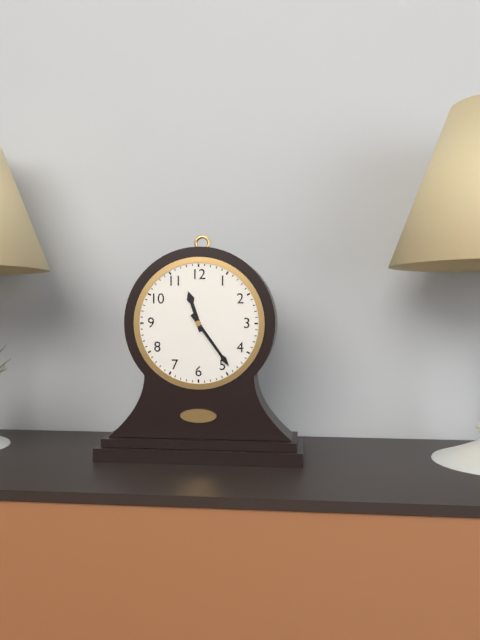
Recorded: 11.24
